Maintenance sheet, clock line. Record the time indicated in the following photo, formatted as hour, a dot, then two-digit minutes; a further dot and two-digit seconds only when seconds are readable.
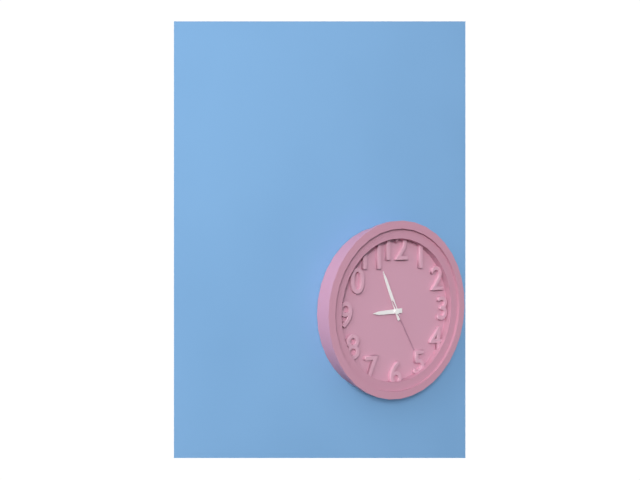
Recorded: 8.56.25
